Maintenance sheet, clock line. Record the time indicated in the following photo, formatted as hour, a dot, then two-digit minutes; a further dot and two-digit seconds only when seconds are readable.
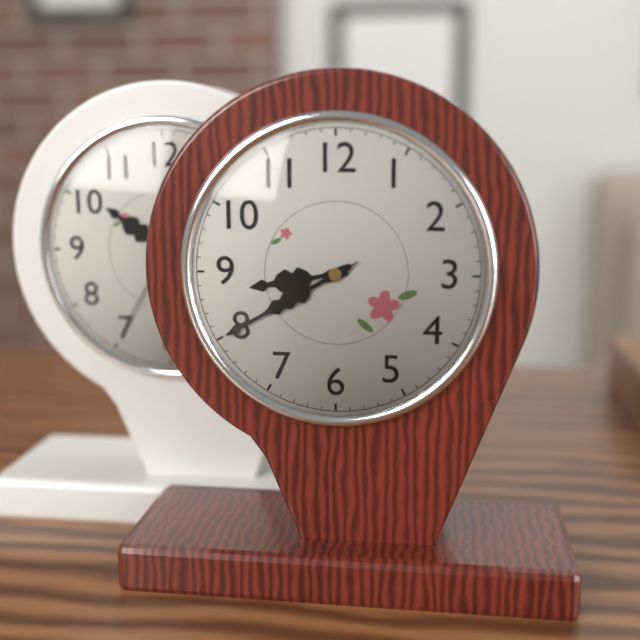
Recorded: 8.40.40
